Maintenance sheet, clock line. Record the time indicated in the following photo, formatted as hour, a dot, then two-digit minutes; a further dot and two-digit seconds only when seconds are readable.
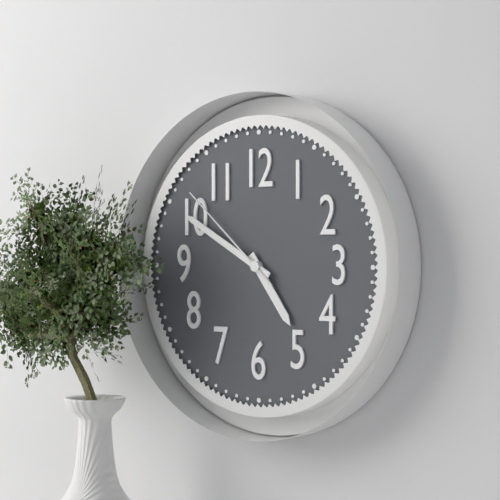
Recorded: 4.50.52
